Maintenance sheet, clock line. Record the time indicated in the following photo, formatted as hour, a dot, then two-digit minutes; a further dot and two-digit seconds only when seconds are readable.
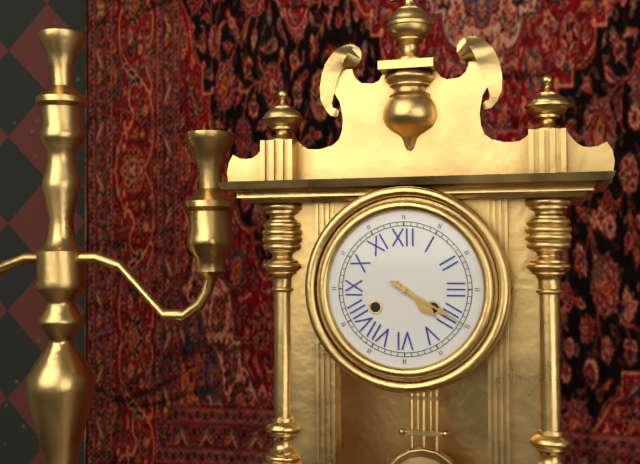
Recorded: 4.20
